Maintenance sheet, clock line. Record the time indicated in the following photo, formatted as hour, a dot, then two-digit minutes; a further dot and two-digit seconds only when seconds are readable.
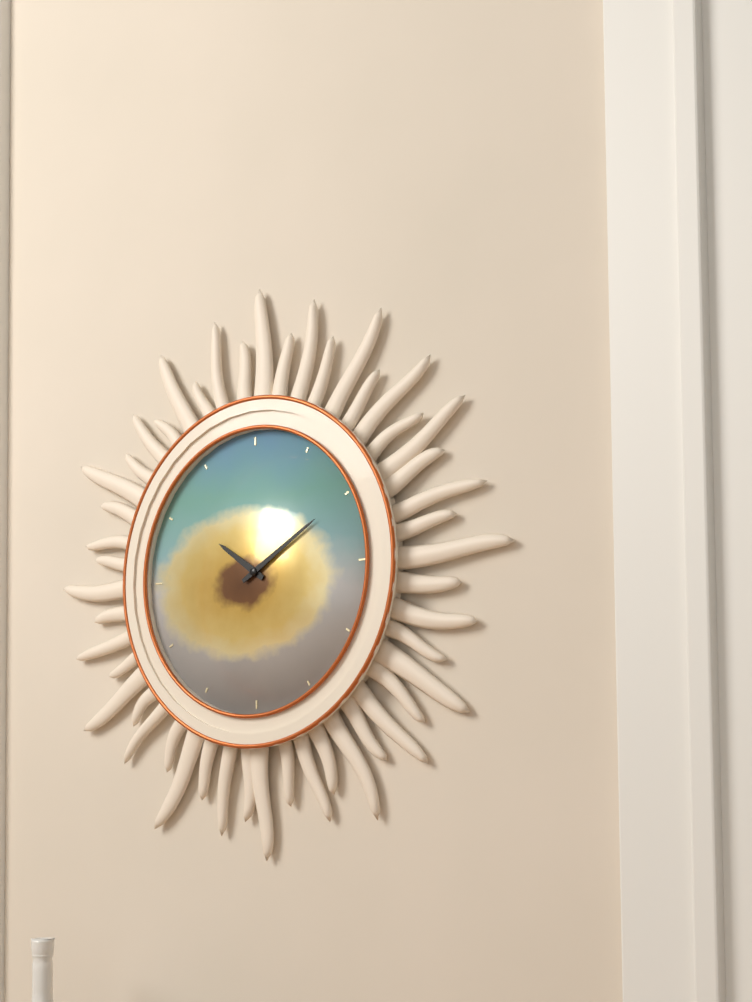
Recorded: 10.10
